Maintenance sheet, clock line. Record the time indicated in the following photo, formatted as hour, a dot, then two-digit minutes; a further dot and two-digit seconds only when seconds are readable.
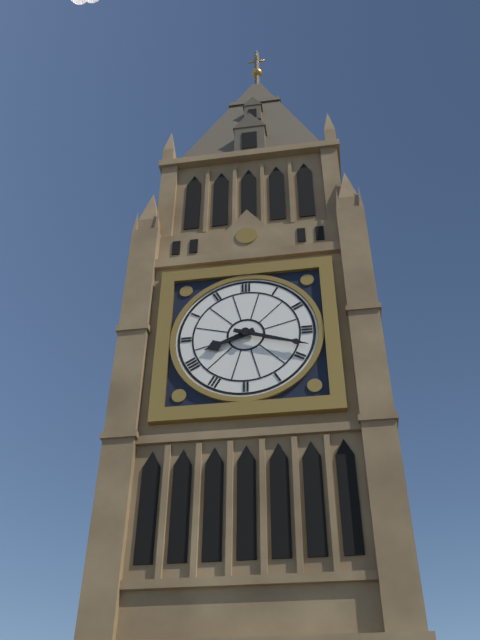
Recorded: 8.18
